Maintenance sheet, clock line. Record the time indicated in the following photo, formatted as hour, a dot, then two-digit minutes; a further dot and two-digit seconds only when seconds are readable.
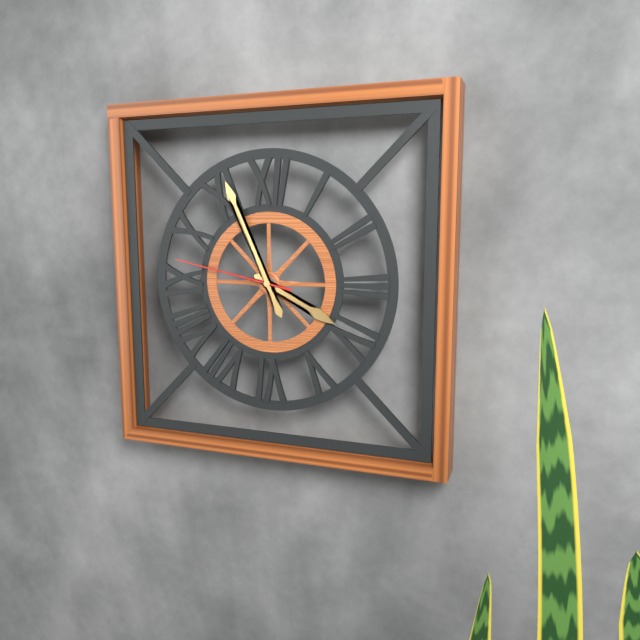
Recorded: 3.56.47
